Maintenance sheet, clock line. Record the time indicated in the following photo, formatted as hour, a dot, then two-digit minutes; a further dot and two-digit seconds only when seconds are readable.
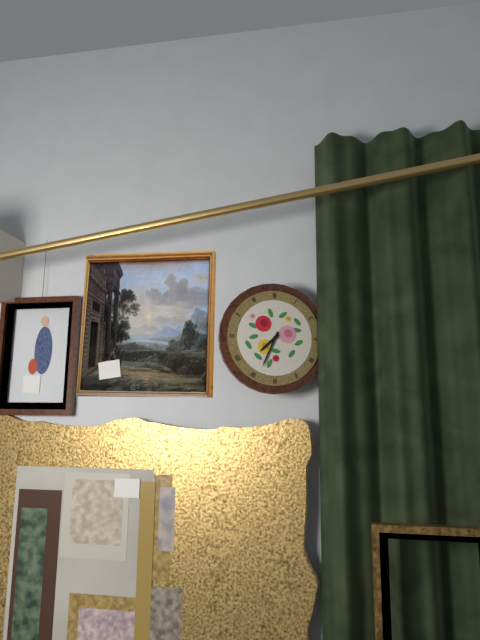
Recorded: 7.34
